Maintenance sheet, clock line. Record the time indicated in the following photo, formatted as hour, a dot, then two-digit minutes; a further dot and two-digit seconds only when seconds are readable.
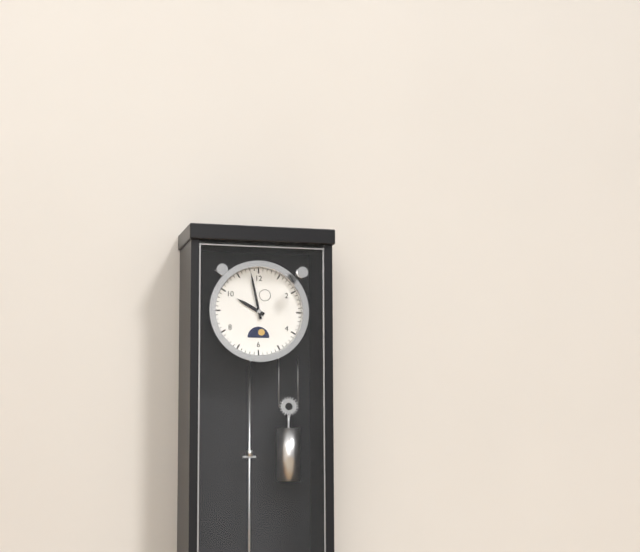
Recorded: 9.58
